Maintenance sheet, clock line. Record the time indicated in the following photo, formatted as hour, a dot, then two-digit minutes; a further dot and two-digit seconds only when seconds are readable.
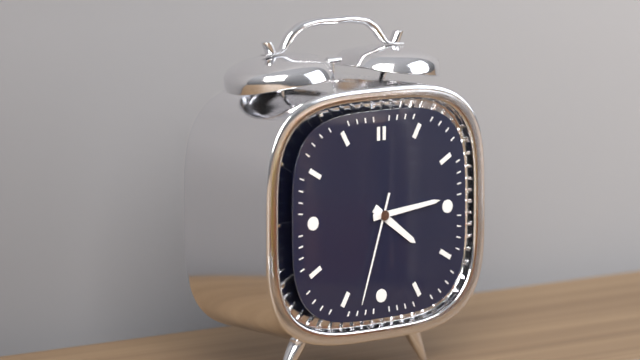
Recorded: 4.14.33
